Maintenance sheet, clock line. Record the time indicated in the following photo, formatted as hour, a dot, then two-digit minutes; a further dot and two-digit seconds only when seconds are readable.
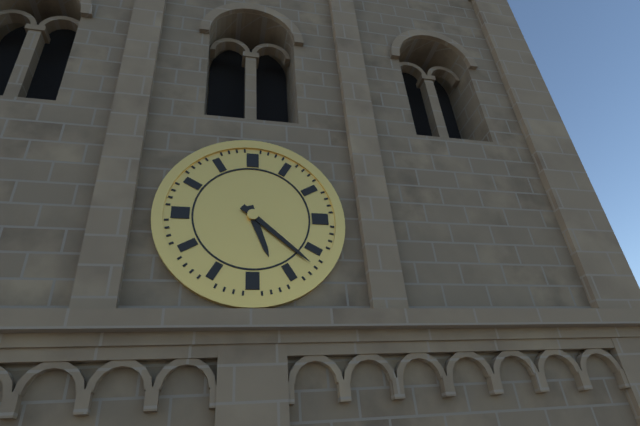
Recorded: 5.22
